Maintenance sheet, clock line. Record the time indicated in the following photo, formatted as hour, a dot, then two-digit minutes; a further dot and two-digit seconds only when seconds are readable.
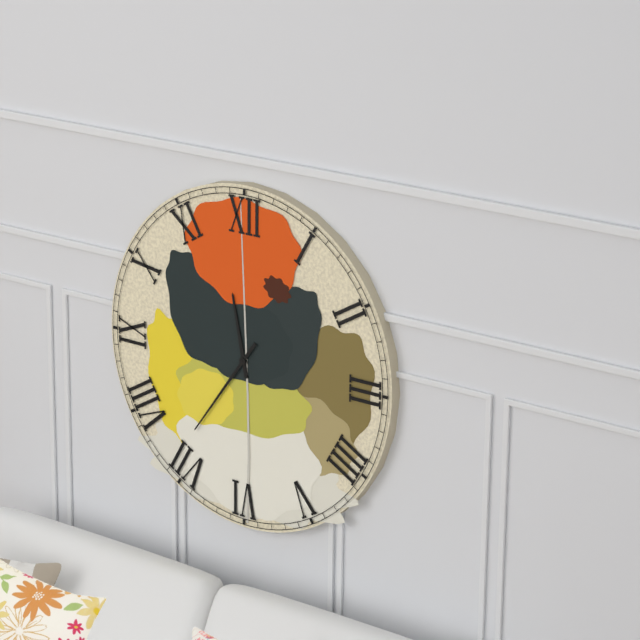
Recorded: 11.36
